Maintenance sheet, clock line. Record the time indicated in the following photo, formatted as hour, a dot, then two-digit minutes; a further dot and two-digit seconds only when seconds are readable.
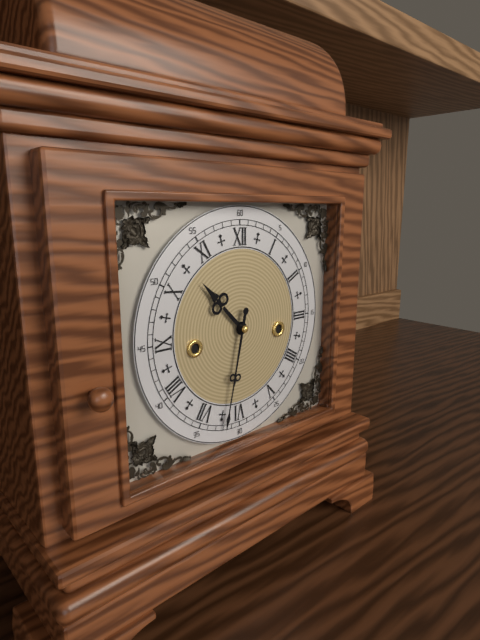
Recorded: 10.32
